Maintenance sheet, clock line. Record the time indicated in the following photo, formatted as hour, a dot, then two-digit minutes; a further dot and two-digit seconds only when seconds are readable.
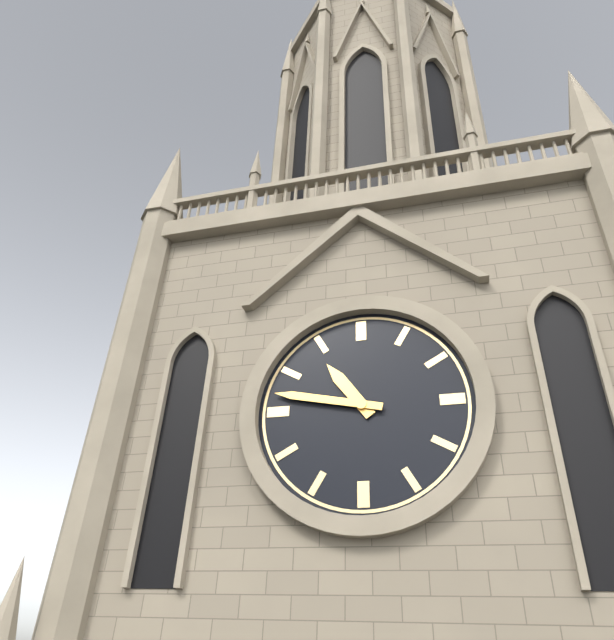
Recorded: 10.47
